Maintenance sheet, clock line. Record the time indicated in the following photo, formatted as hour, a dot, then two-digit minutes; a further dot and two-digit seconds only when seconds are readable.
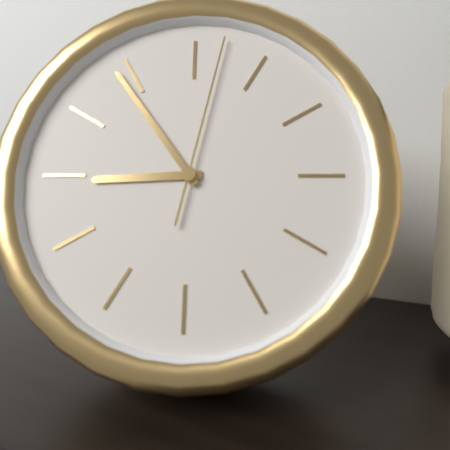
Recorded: 8.54.02
